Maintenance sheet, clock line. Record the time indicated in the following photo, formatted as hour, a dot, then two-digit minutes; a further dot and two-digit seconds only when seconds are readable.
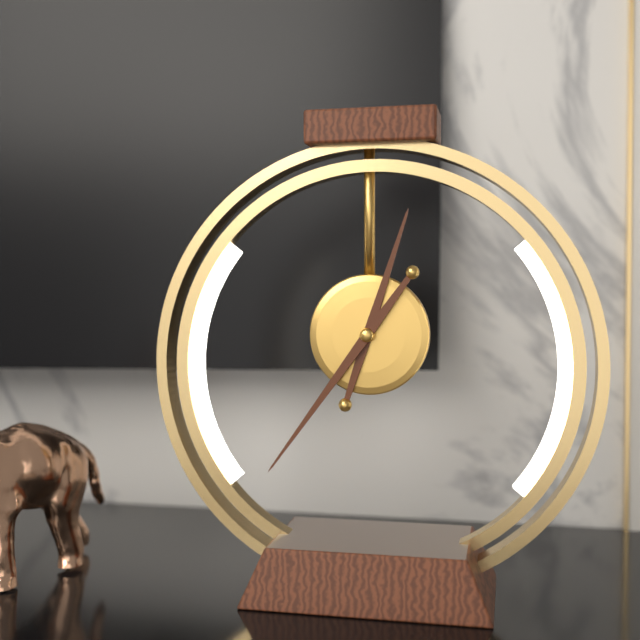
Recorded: 12.36
